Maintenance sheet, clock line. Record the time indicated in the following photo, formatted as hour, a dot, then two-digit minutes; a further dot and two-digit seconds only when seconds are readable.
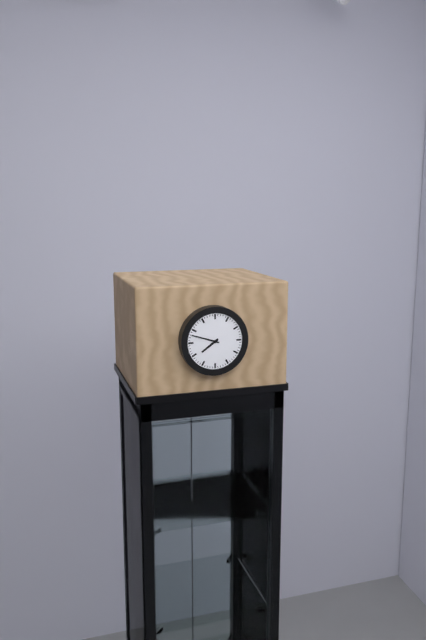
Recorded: 7.48
